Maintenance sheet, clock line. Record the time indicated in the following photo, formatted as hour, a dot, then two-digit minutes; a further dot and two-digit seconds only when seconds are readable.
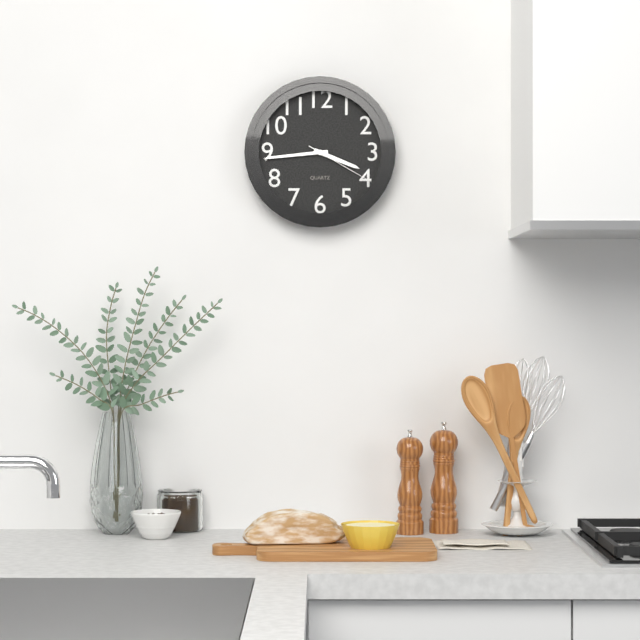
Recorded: 3.44.20
